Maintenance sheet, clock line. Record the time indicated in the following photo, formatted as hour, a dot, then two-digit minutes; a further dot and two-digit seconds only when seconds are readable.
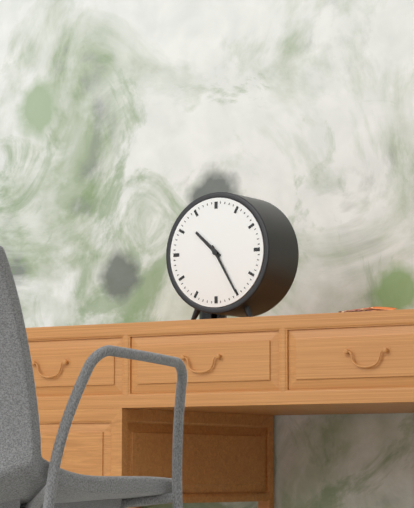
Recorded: 10.25
